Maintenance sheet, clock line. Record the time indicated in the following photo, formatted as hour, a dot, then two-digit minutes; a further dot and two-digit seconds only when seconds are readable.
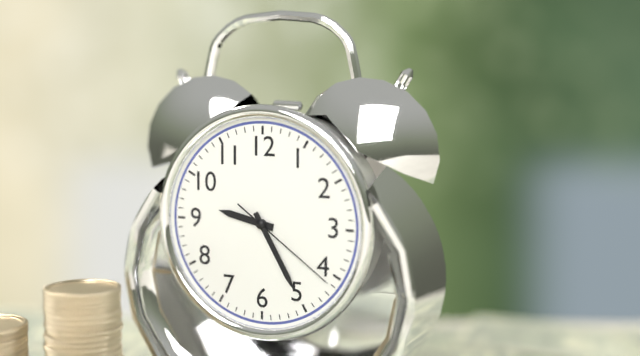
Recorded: 9.25.21
